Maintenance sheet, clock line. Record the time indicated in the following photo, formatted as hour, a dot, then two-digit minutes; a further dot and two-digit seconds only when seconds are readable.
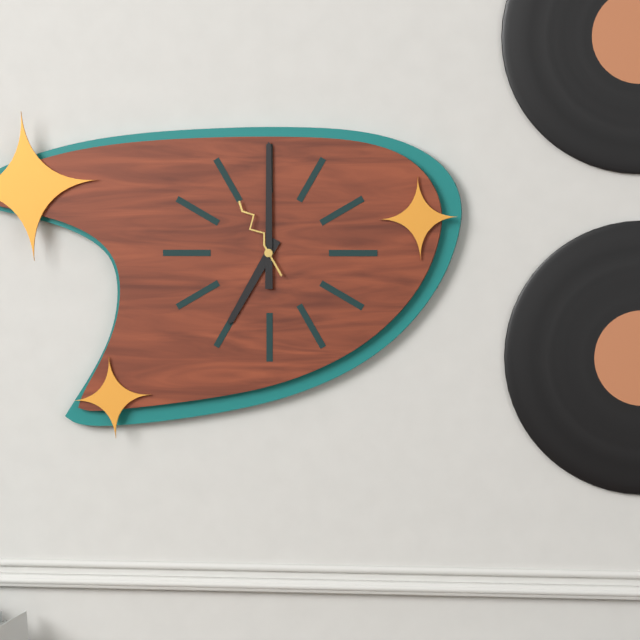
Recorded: 7.00.55
